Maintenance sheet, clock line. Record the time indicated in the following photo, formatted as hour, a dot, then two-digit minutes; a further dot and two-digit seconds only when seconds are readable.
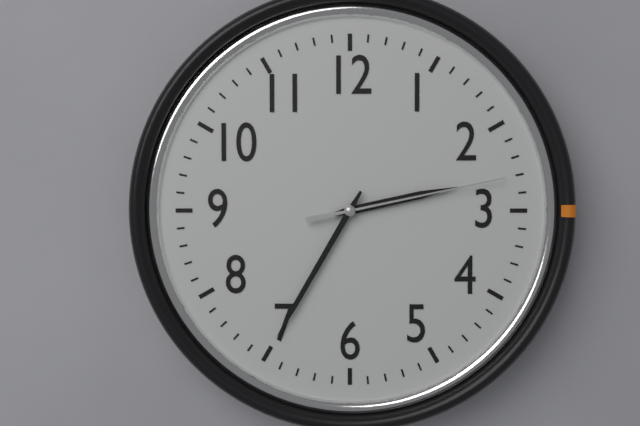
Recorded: 2.35.13
